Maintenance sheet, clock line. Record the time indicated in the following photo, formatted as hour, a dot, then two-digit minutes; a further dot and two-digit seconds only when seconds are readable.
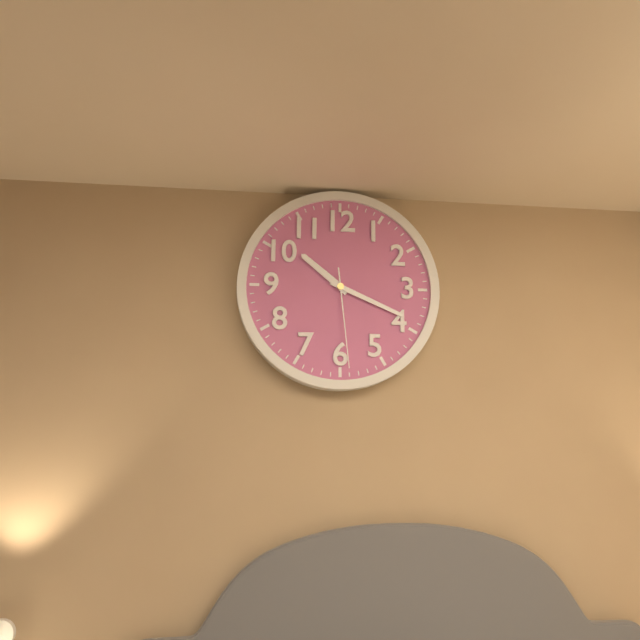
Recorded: 10.19.29
